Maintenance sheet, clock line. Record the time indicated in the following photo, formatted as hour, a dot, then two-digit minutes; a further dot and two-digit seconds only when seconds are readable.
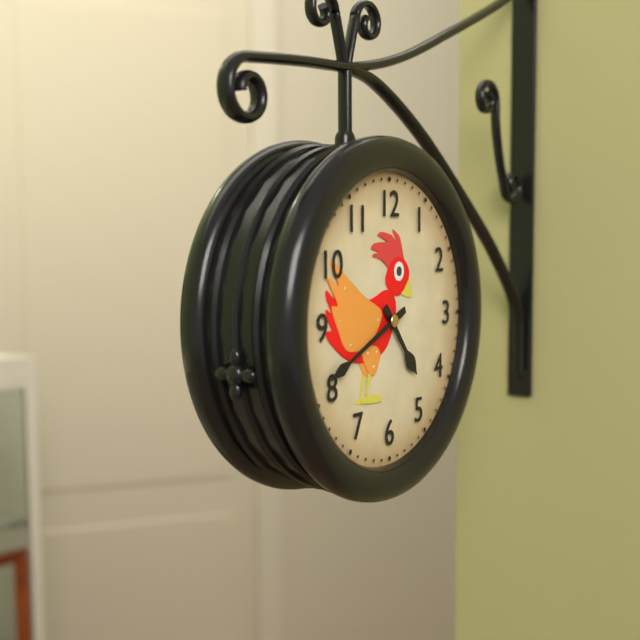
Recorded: 4.41
